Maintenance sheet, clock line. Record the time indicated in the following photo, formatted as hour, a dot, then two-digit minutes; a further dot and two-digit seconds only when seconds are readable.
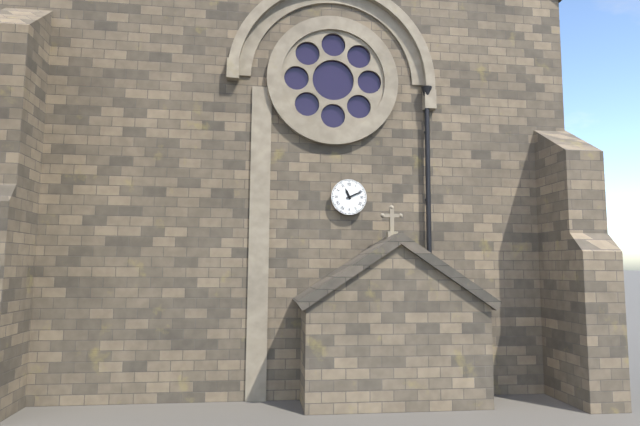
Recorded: 11.11
